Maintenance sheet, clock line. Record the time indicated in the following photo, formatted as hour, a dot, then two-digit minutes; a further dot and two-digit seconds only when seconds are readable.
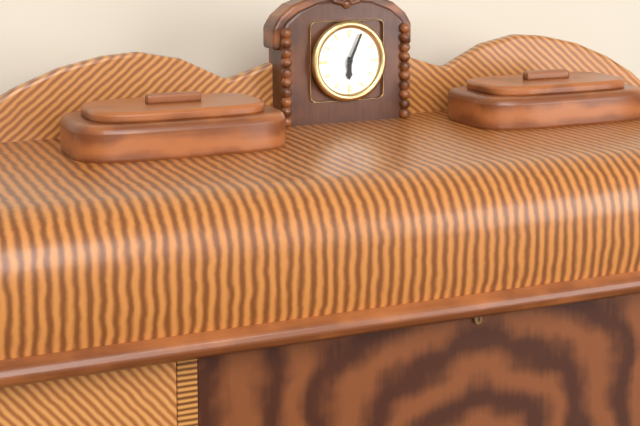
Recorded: 6.04
